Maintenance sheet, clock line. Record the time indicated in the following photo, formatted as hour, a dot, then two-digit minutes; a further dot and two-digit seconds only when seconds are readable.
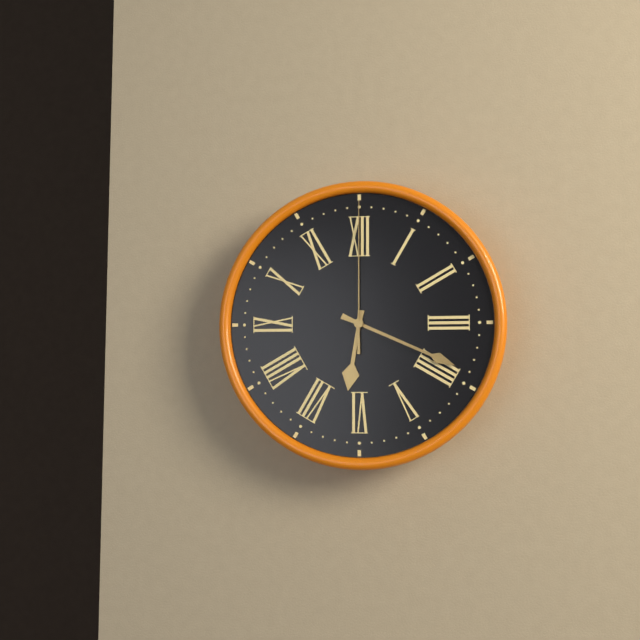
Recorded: 6.19.00
